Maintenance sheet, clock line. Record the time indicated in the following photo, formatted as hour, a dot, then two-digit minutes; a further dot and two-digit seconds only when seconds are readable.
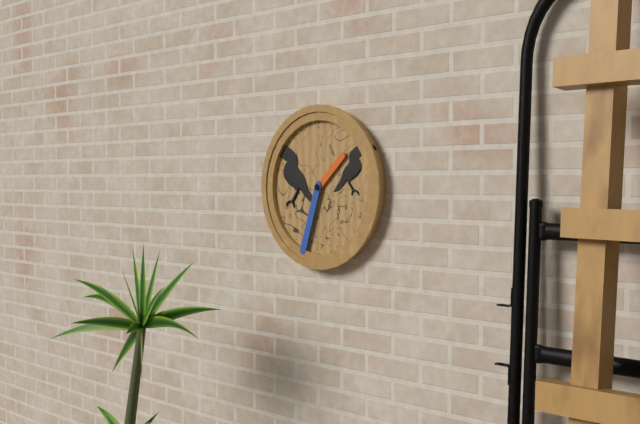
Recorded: 1.33
